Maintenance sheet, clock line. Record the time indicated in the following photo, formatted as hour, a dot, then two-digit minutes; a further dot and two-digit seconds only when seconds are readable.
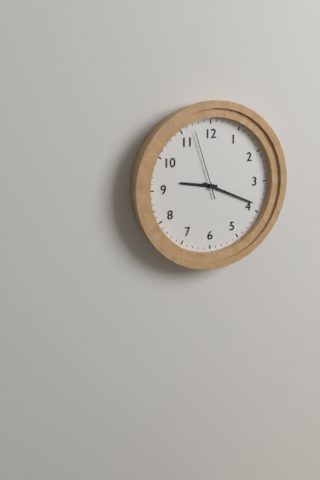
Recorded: 9.19.57
